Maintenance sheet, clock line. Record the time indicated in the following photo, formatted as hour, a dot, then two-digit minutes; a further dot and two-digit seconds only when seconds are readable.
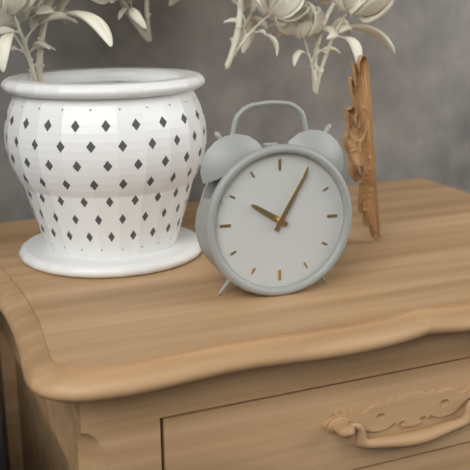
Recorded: 10.05
